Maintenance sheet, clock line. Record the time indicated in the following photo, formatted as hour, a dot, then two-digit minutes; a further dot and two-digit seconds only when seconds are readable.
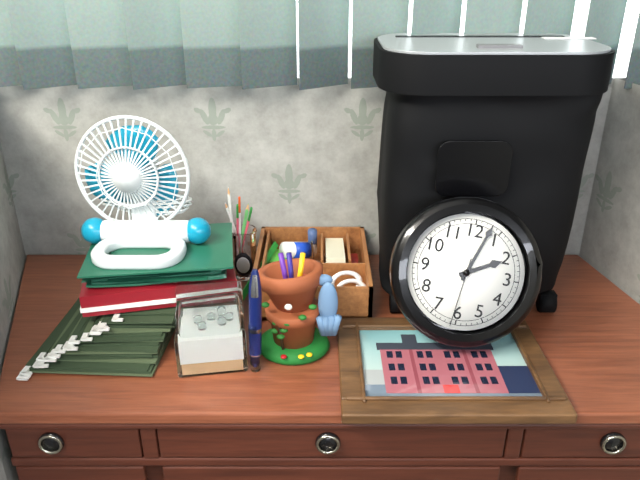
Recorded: 2.03.31
